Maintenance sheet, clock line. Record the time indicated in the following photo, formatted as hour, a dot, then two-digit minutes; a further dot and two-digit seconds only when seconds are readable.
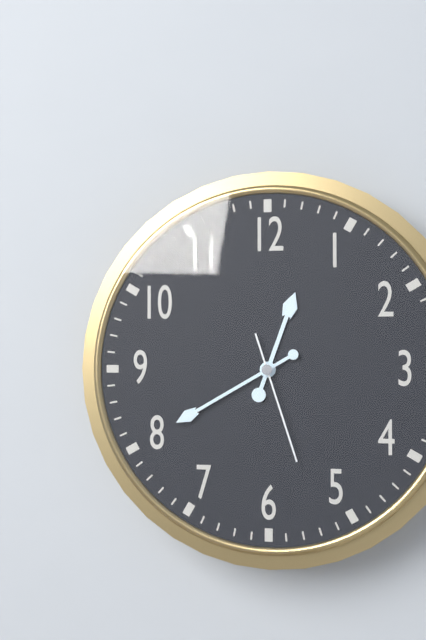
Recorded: 12.40.27
